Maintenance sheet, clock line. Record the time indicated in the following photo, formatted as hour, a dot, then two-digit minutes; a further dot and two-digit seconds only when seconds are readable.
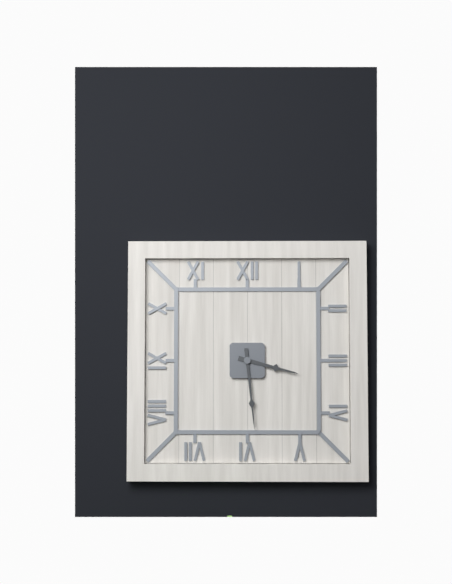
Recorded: 3.29
